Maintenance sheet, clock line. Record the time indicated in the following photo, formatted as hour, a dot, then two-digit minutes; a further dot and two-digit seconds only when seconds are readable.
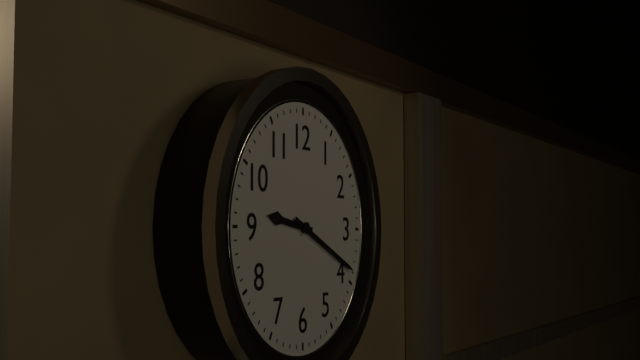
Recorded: 9.19
